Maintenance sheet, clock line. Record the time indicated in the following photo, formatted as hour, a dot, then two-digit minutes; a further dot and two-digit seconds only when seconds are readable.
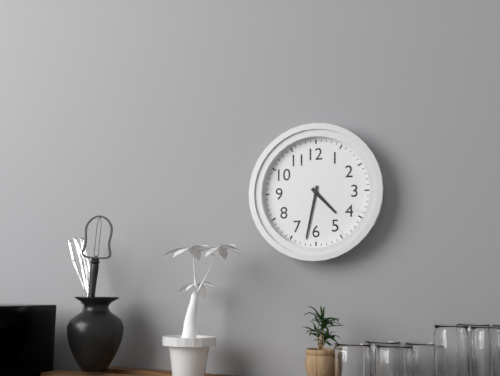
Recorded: 4.32
